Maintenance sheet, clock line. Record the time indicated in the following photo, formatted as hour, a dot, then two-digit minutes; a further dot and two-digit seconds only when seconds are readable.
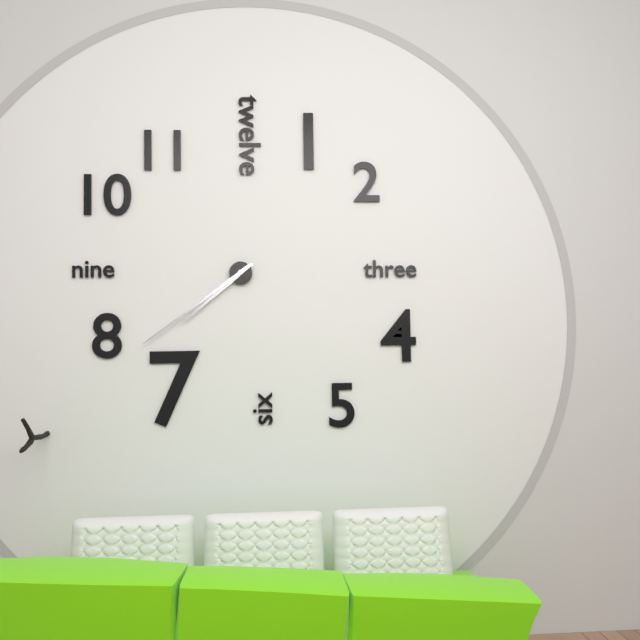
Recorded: 7.39
